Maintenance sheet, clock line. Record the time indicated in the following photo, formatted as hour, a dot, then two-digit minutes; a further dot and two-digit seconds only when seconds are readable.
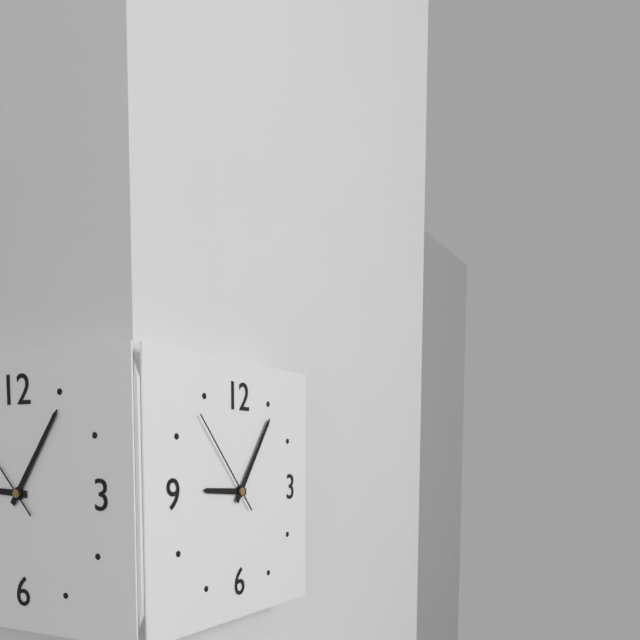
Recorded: 9.06.53
